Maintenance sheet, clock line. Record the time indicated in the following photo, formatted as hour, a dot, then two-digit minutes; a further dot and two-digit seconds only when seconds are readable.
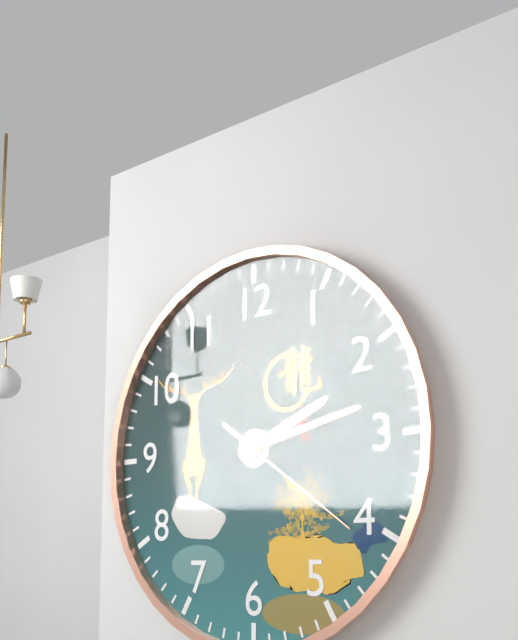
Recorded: 2.13.21
